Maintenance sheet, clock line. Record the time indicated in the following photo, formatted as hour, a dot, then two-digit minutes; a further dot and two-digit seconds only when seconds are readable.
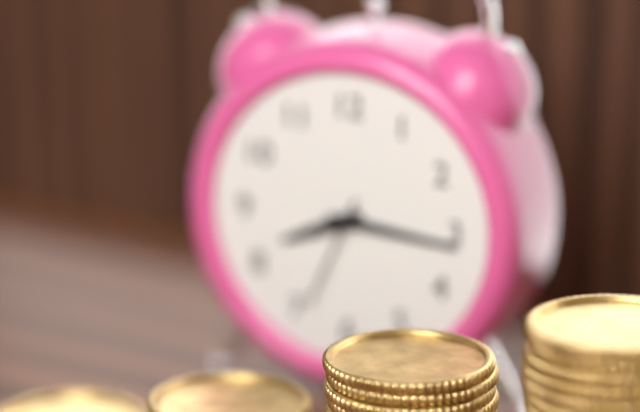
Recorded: 8.16.34
